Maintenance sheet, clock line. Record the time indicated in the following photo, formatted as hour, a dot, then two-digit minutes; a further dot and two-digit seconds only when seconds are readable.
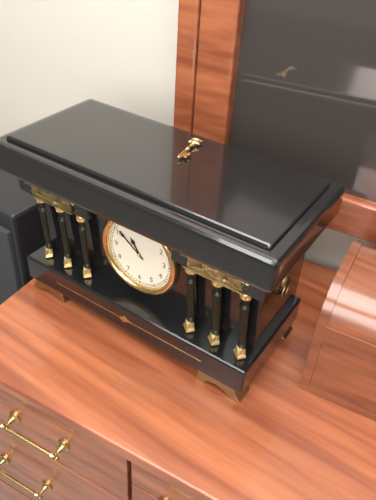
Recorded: 10.51
